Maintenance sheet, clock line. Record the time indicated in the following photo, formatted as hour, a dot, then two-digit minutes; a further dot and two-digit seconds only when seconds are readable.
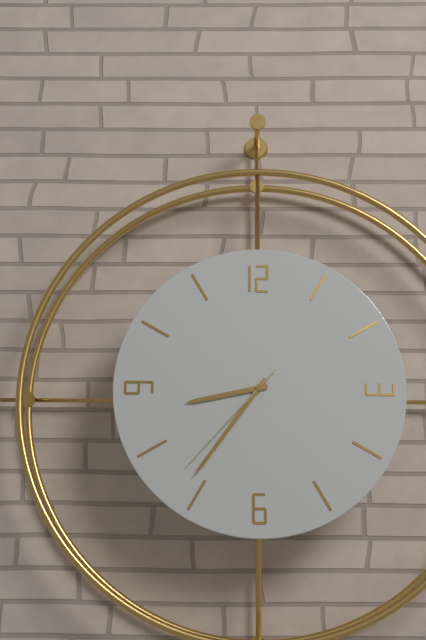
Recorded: 8.36.37
